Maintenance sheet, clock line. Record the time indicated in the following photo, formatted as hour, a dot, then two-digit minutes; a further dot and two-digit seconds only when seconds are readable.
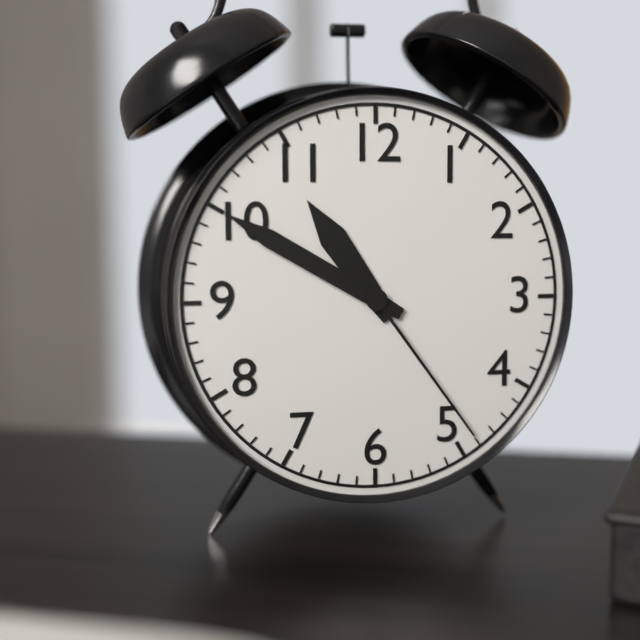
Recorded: 10.50.24
